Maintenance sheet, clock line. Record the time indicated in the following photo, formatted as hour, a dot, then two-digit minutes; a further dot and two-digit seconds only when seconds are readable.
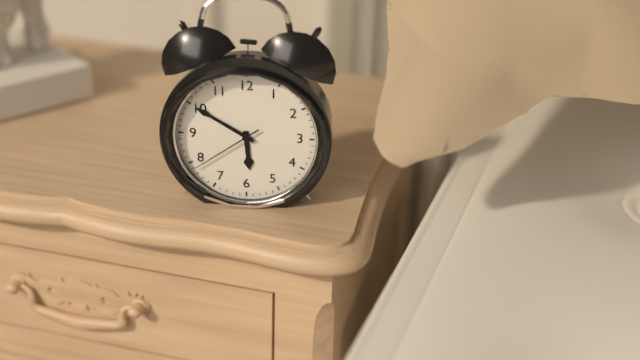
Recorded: 5.50.39
